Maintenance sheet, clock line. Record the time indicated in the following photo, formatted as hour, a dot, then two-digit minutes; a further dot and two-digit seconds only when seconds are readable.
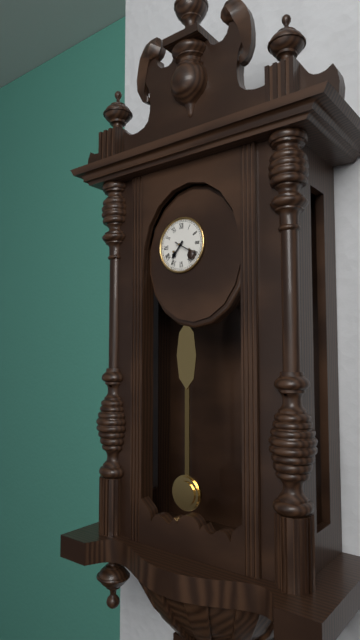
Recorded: 7.20
